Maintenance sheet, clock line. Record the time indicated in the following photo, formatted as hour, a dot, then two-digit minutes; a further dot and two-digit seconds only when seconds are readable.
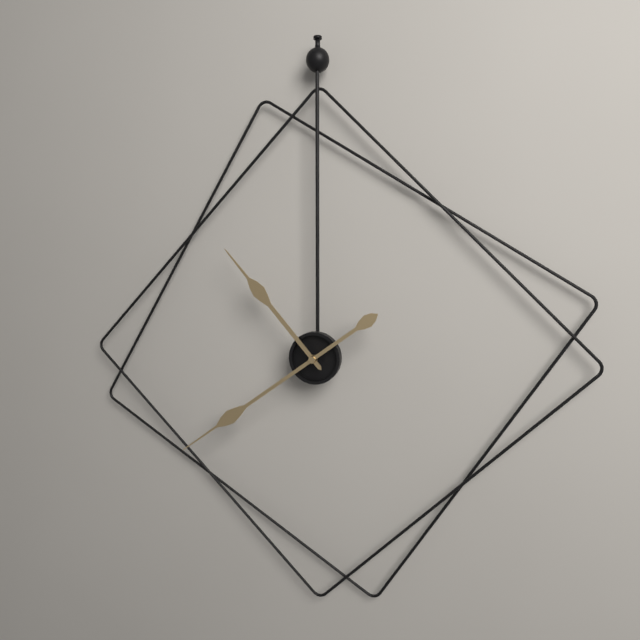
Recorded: 10.39
